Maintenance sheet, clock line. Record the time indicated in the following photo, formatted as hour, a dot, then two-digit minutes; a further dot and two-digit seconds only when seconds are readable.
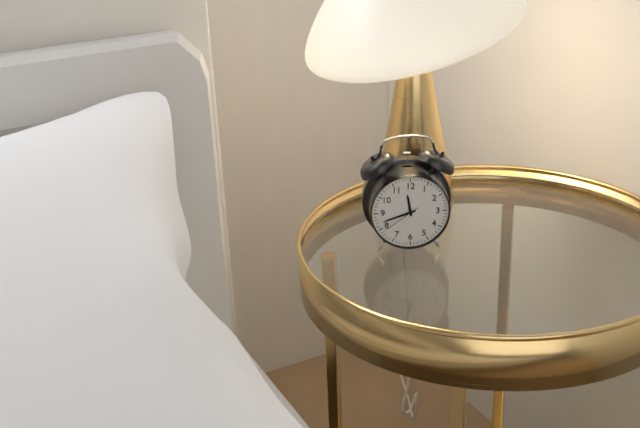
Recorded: 11.42
